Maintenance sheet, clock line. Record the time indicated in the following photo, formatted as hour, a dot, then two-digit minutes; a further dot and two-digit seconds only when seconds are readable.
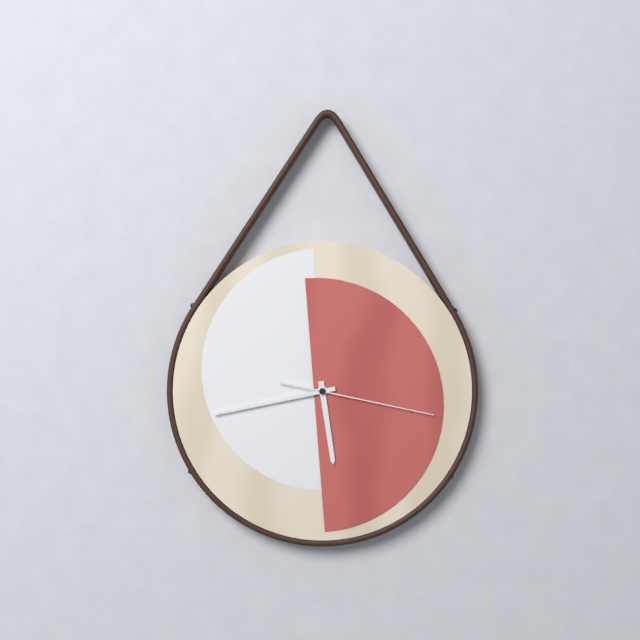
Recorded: 5.43.17
